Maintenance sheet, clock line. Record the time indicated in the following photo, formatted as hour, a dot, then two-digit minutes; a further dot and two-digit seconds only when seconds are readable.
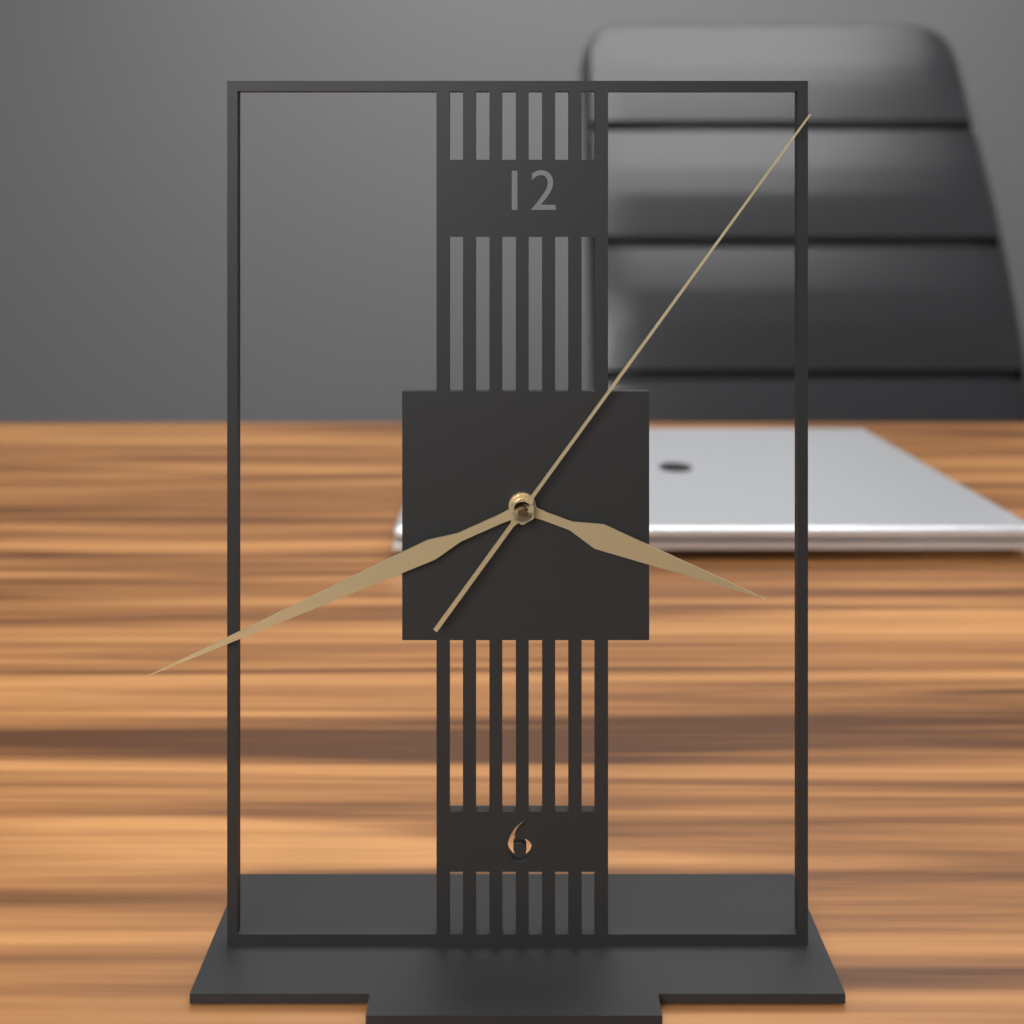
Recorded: 3.41.06
